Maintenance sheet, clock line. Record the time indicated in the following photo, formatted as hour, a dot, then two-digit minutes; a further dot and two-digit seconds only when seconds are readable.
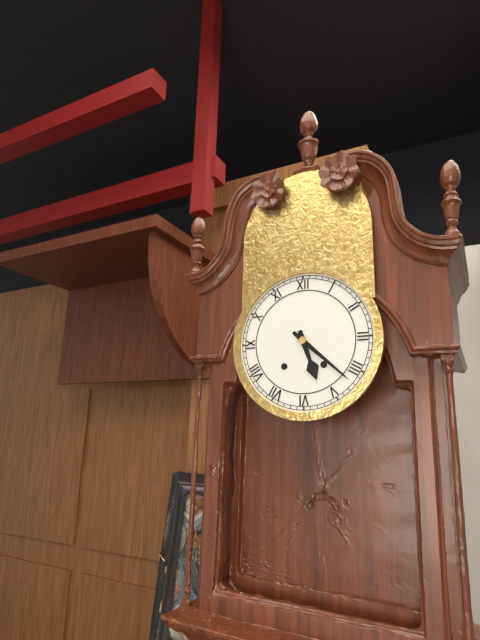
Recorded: 5.22
